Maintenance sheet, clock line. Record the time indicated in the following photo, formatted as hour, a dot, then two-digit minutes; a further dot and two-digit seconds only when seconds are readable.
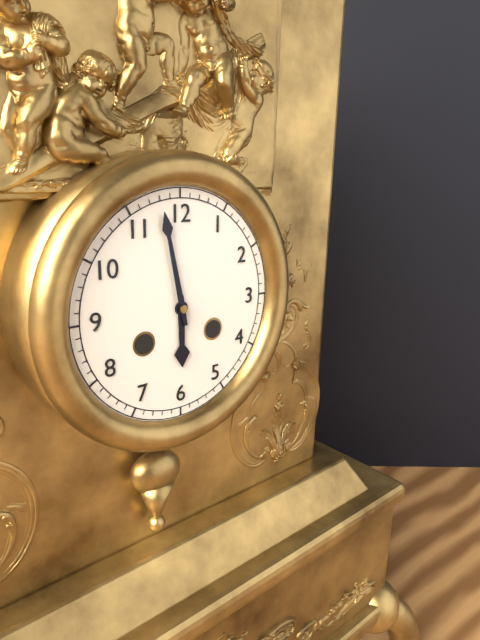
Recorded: 5.58
